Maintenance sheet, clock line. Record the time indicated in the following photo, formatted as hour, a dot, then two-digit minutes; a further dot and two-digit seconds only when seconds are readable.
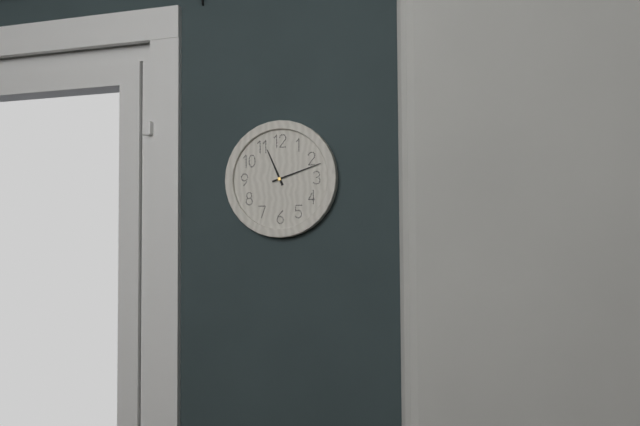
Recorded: 11.12
